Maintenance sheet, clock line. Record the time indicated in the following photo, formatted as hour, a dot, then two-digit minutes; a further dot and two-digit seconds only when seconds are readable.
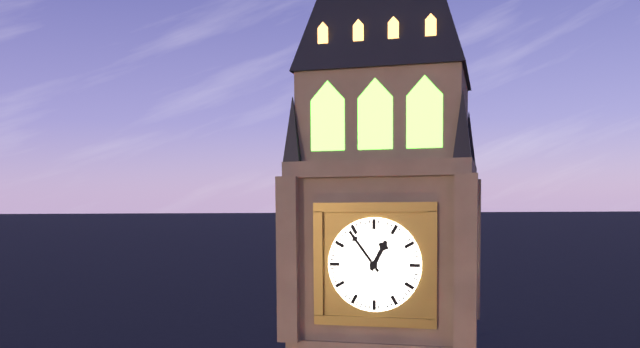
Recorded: 12.54
